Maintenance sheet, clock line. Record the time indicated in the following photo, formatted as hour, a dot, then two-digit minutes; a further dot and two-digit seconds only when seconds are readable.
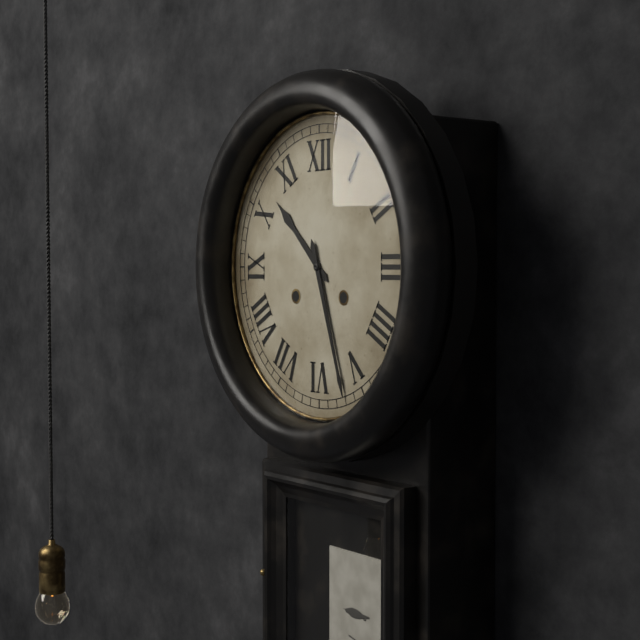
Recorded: 10.27
